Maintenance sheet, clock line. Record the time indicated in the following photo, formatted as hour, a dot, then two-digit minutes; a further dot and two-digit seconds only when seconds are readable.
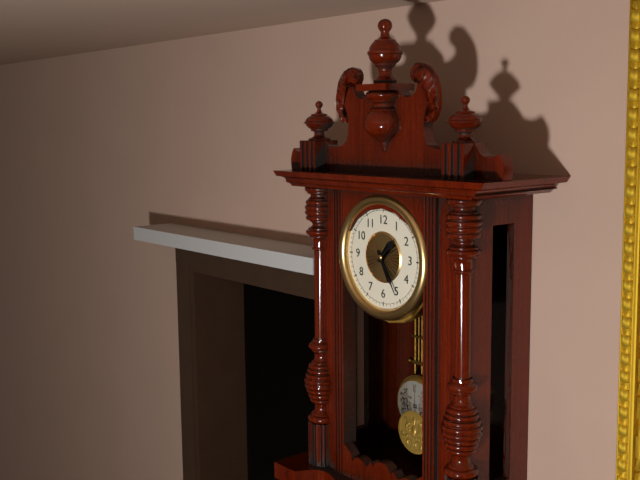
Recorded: 1.25
